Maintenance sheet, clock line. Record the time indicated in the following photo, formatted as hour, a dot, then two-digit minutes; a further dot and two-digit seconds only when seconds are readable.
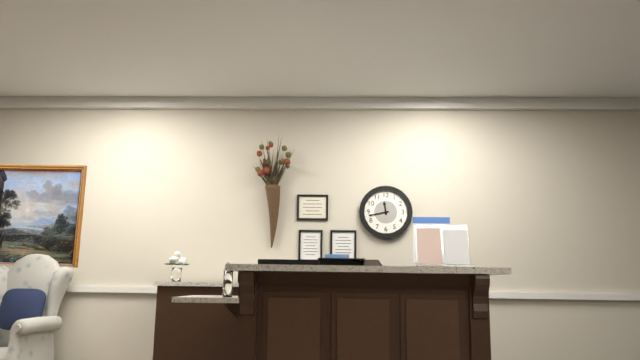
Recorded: 11.43
